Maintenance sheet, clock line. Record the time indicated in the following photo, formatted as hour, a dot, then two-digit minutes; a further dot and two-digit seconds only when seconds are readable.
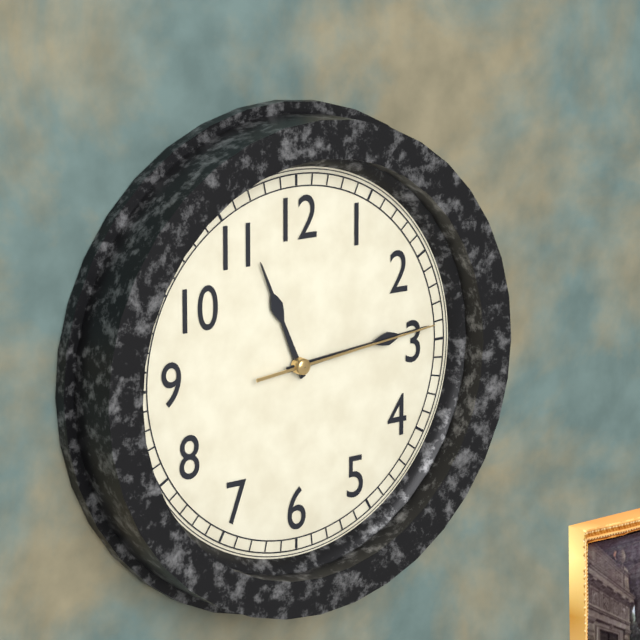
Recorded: 11.14.14
